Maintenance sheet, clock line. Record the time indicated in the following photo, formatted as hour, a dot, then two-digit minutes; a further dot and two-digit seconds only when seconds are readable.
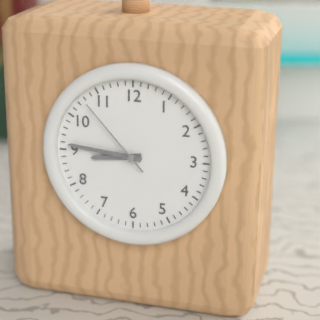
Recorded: 8.46.53
